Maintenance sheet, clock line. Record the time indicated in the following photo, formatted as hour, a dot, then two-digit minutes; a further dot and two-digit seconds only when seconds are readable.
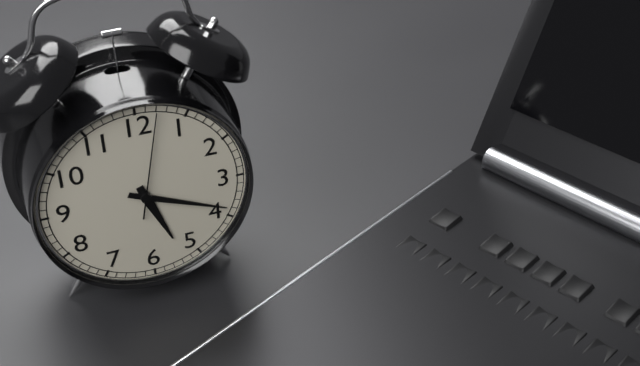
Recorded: 5.19.02
